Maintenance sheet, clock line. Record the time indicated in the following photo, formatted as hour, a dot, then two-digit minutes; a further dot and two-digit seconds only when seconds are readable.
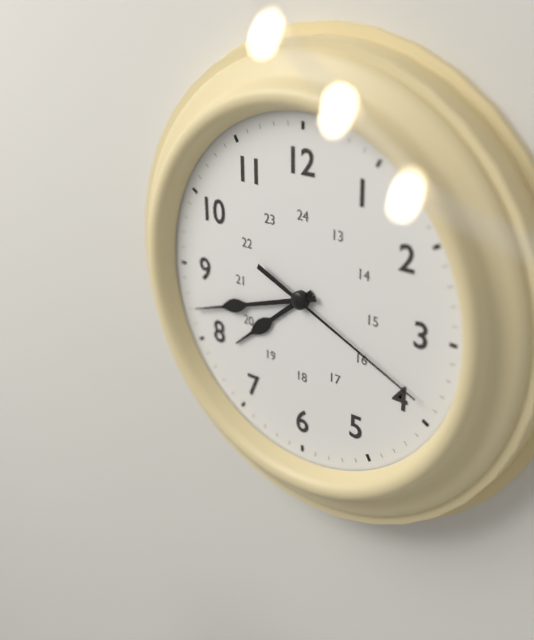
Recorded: 7.42.19
